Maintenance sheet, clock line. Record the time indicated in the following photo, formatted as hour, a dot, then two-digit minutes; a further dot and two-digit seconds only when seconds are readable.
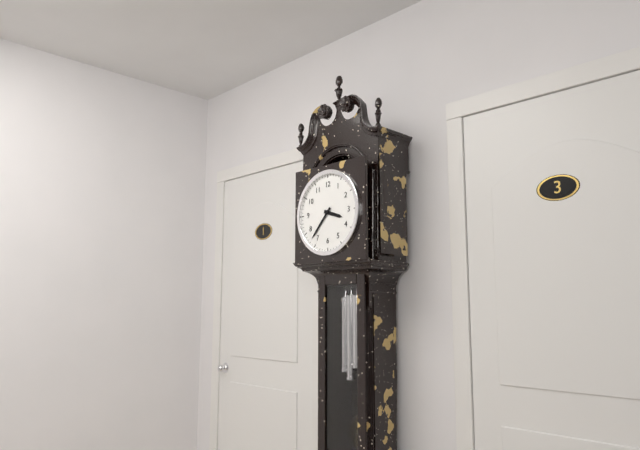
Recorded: 3.37
